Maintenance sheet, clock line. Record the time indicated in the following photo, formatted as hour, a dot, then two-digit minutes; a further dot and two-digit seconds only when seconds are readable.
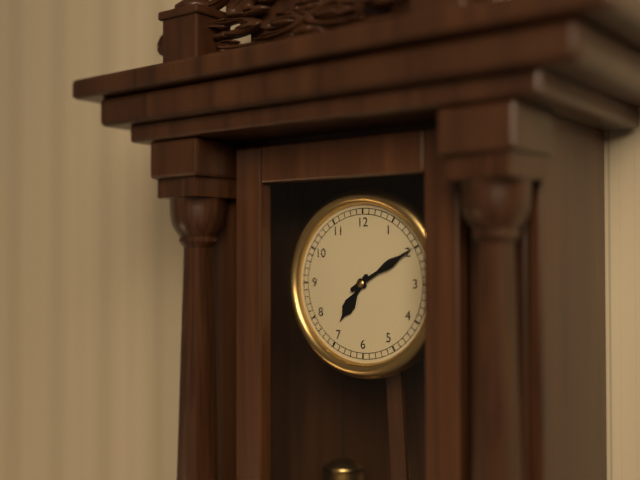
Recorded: 7.10
